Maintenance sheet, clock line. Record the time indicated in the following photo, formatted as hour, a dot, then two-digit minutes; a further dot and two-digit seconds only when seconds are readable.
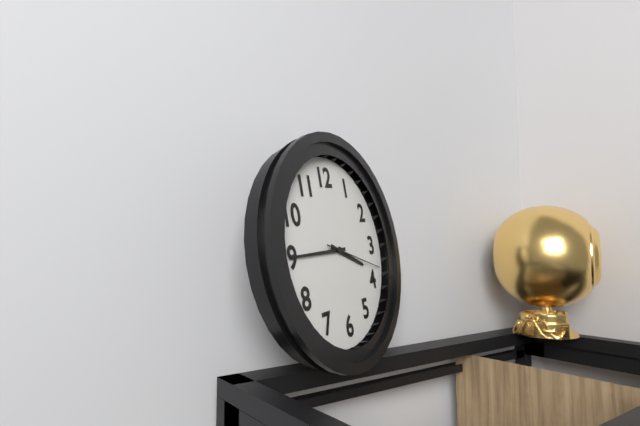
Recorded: 3.45.18
